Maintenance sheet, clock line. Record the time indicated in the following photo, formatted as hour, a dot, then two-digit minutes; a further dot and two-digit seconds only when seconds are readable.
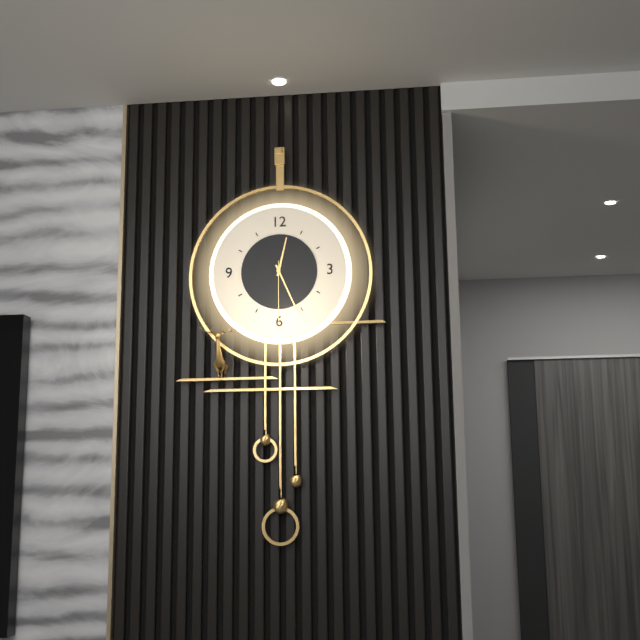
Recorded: 12.26.30
